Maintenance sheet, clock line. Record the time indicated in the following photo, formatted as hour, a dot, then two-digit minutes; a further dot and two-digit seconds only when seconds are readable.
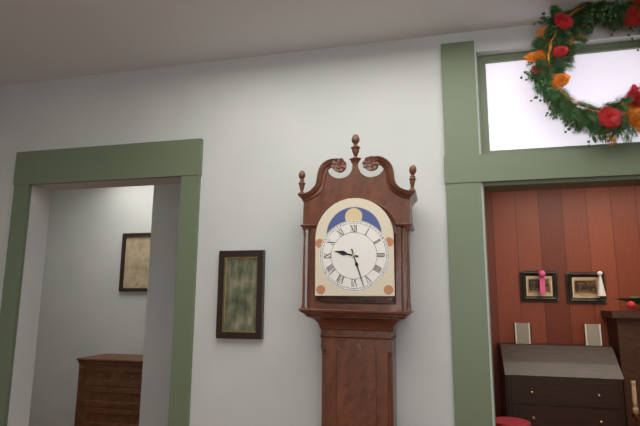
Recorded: 9.27
